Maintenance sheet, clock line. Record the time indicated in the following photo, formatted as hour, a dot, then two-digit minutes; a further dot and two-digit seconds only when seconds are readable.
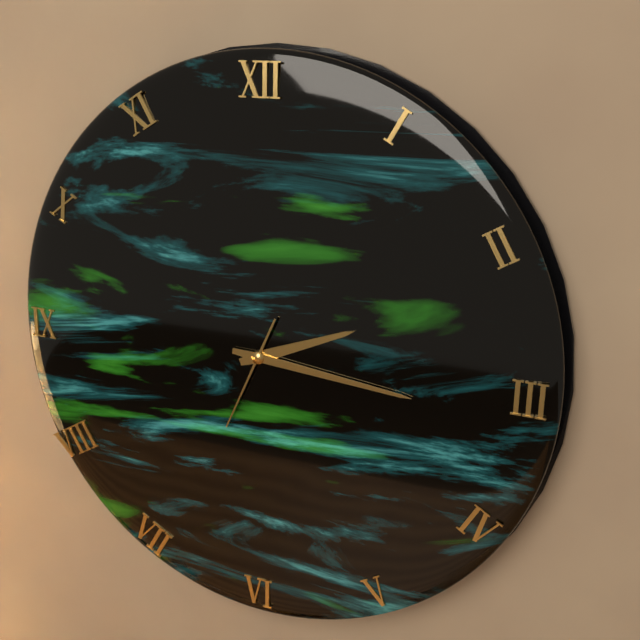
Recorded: 2.16.34
